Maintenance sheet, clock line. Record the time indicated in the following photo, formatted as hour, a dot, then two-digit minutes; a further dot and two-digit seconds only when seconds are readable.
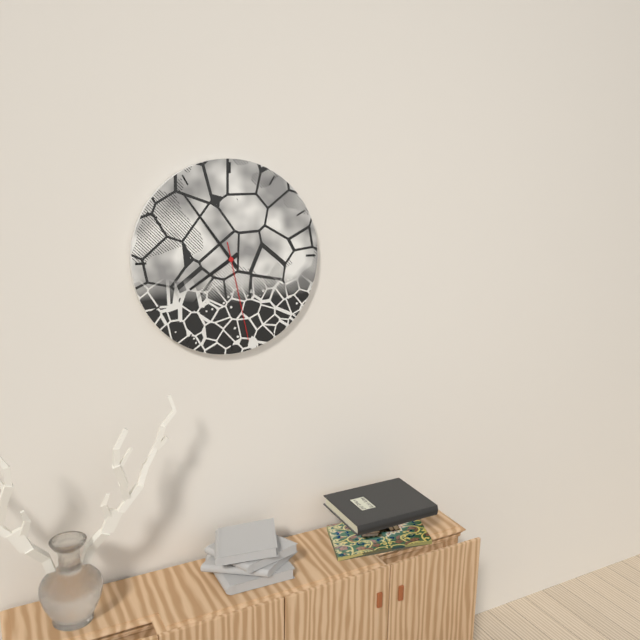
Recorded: 7.54.28
